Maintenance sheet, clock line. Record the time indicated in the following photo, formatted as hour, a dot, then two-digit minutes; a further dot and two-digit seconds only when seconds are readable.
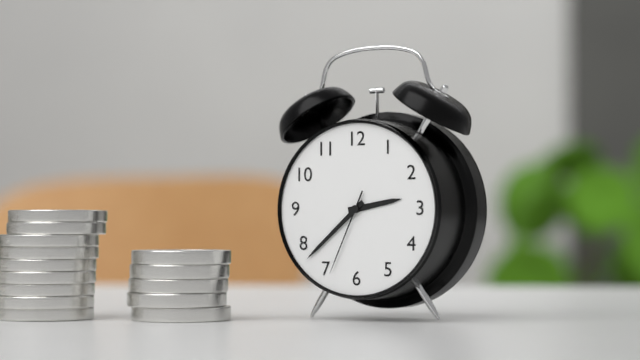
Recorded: 2.38.34
